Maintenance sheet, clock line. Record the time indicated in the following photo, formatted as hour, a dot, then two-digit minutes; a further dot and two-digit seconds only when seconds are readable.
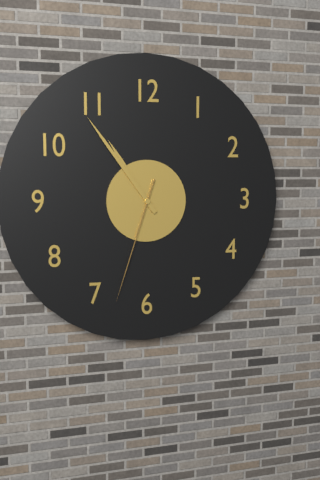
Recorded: 10.54.33
